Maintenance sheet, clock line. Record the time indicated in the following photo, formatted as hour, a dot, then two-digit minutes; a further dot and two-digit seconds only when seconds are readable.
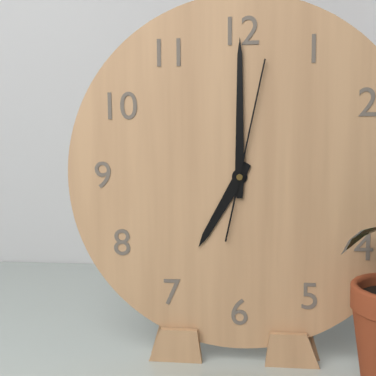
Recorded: 7.00.02
